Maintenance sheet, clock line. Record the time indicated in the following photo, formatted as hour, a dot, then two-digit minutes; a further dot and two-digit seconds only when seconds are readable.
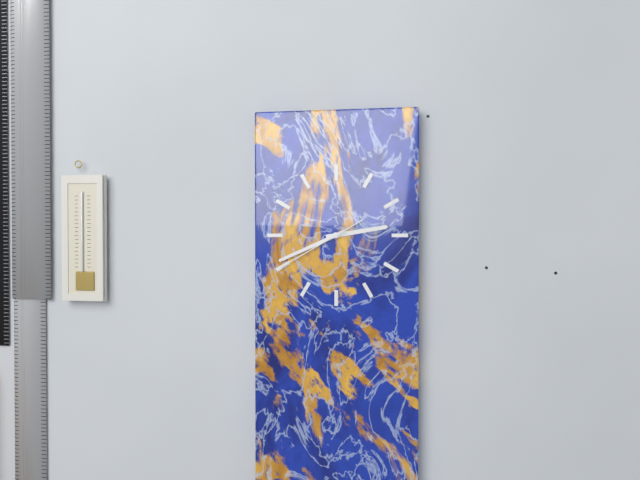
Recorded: 2.41.40
